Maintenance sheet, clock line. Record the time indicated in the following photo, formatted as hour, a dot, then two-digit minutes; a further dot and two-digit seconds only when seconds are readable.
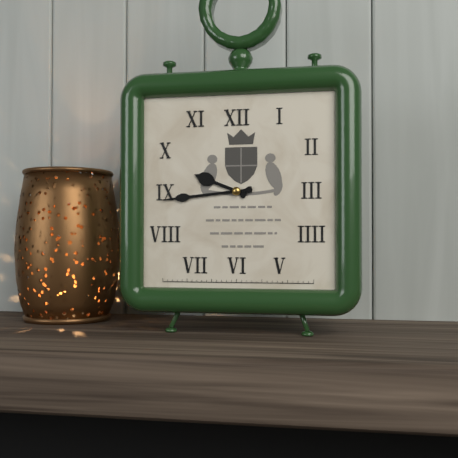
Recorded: 9.44
